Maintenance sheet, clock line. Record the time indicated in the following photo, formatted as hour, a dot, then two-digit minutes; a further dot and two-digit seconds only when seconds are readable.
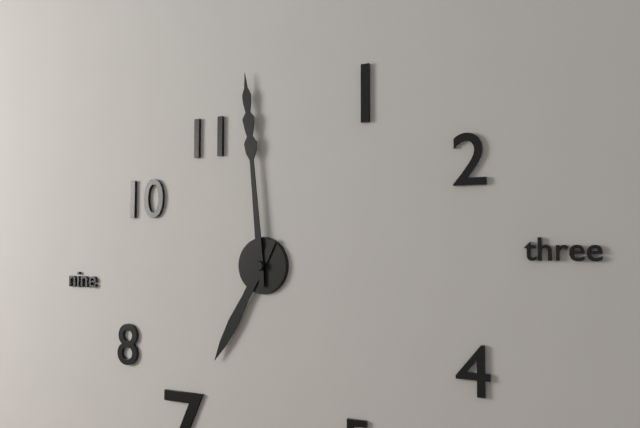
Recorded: 6.59
